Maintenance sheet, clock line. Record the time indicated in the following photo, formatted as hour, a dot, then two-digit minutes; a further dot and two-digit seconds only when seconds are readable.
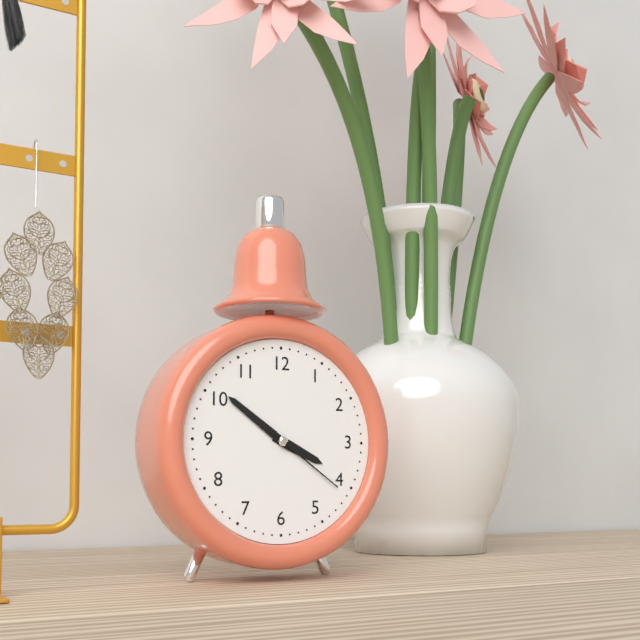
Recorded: 3.51.21
